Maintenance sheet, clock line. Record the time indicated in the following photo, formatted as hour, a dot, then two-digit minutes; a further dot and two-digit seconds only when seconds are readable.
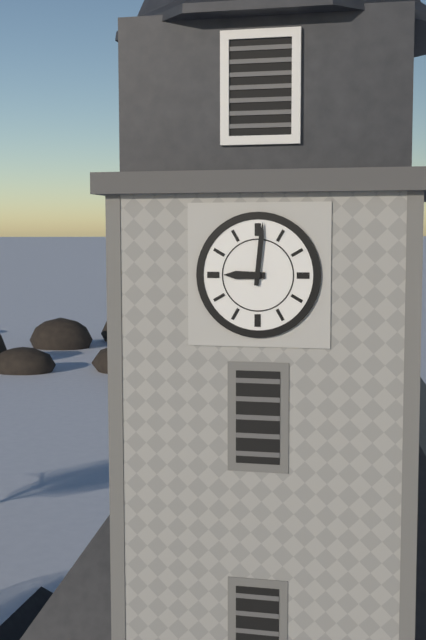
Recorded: 9.01
